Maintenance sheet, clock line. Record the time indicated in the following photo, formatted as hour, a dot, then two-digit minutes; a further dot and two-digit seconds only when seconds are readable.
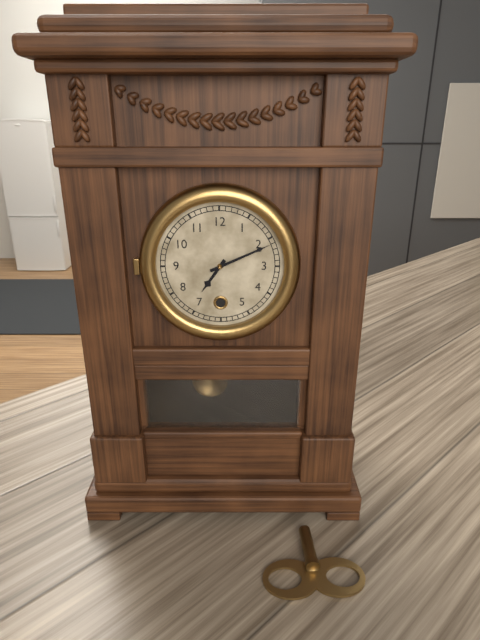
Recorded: 7.11
